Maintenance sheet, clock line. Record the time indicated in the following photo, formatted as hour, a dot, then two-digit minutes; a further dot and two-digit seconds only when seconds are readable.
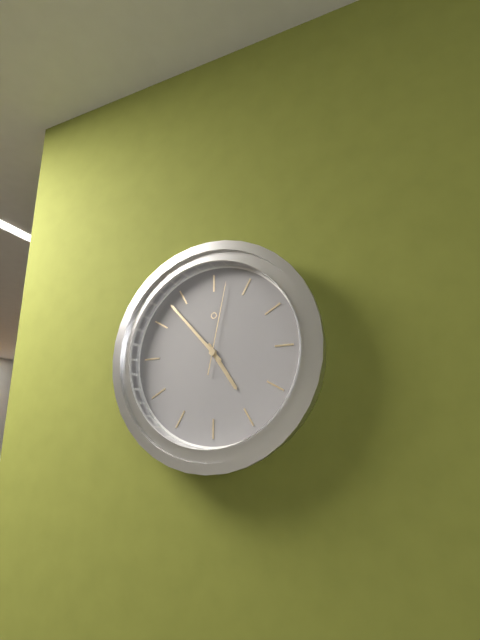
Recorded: 4.53.02
